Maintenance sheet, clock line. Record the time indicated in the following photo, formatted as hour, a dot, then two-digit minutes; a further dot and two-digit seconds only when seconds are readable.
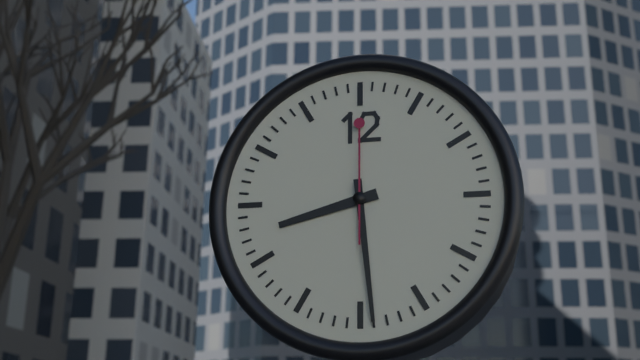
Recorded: 8.29.00
